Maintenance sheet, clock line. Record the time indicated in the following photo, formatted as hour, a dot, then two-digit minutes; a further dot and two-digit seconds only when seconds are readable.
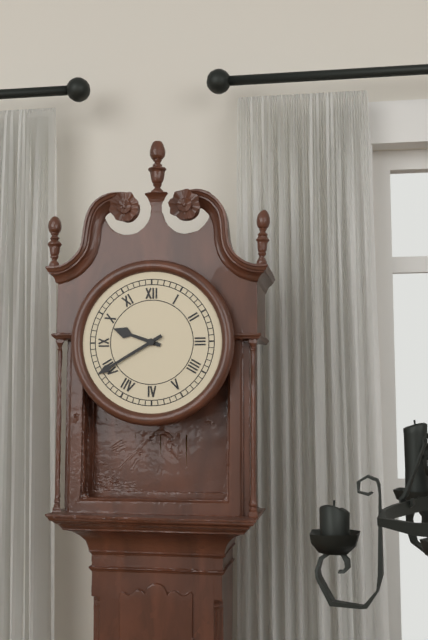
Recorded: 9.40
